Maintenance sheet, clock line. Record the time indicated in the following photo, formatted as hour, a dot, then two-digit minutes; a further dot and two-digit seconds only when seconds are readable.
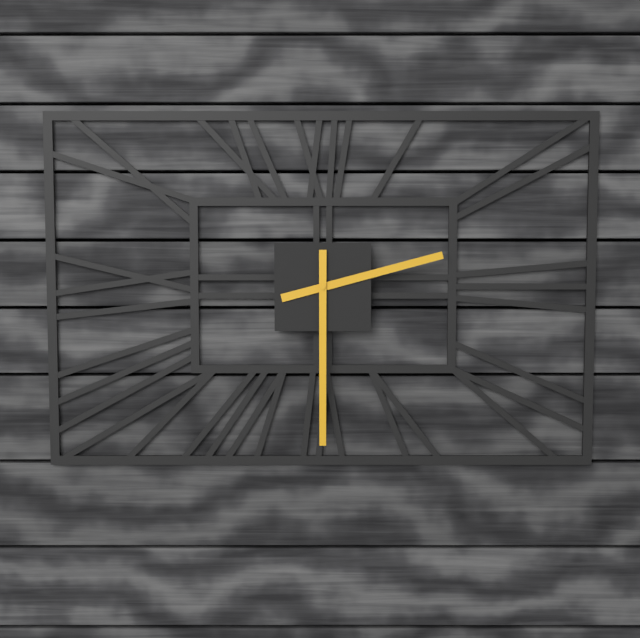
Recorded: 2.30
